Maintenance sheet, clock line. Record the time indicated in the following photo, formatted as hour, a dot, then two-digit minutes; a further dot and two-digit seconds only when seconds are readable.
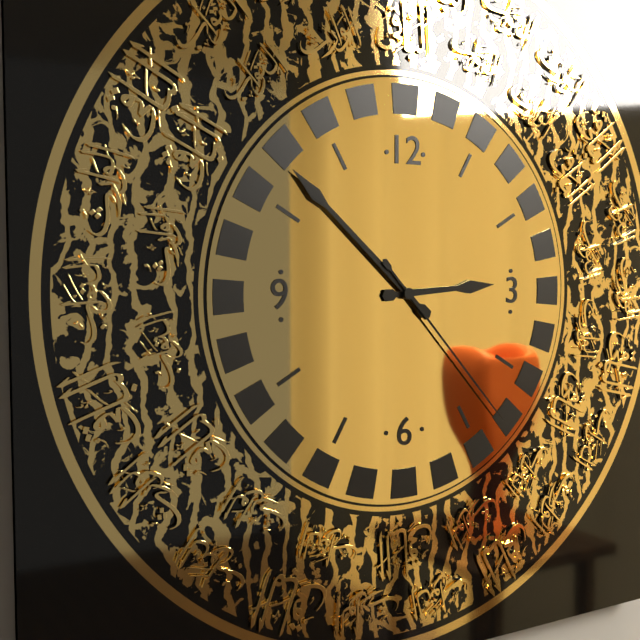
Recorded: 2.52.23
